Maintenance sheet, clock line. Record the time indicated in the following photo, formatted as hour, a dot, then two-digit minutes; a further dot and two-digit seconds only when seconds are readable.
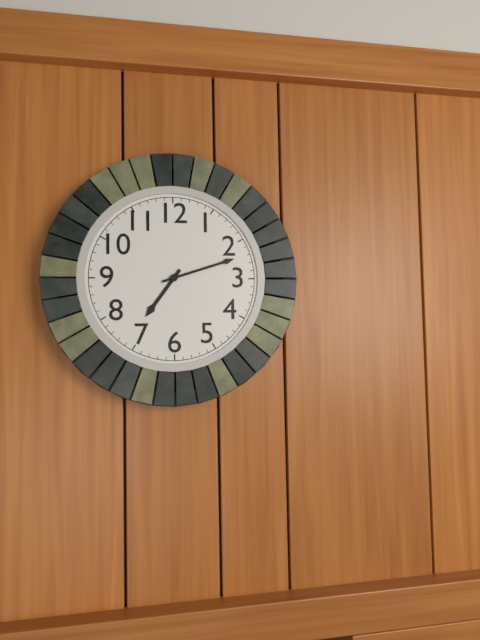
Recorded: 7.12
